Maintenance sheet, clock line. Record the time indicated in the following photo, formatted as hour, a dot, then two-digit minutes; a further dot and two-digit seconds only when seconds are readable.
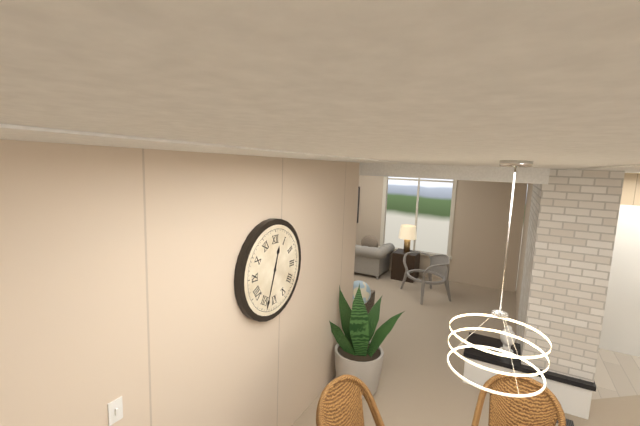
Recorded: 12.33
